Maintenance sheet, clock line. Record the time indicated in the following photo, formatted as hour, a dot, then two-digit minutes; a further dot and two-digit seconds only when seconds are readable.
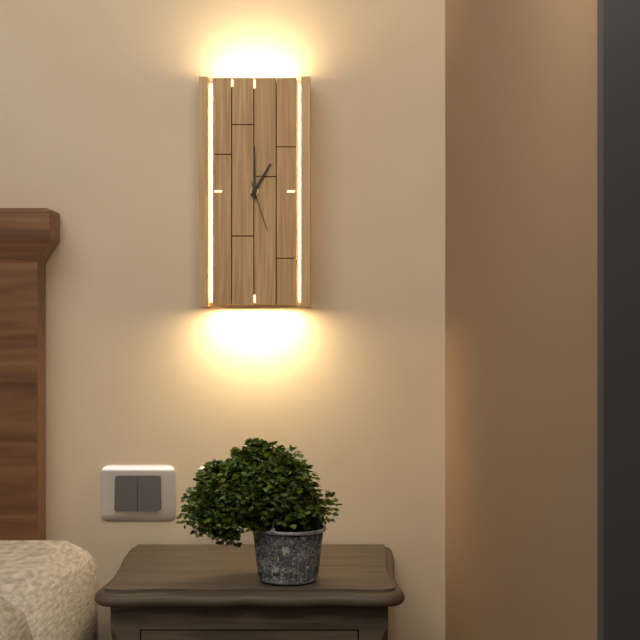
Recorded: 1.00.27
